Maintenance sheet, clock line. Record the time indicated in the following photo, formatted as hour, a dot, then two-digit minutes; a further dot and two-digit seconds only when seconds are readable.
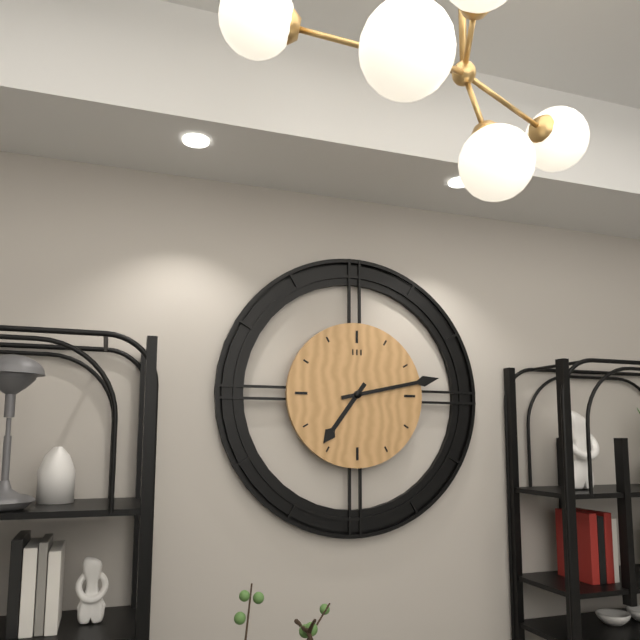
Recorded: 7.13
